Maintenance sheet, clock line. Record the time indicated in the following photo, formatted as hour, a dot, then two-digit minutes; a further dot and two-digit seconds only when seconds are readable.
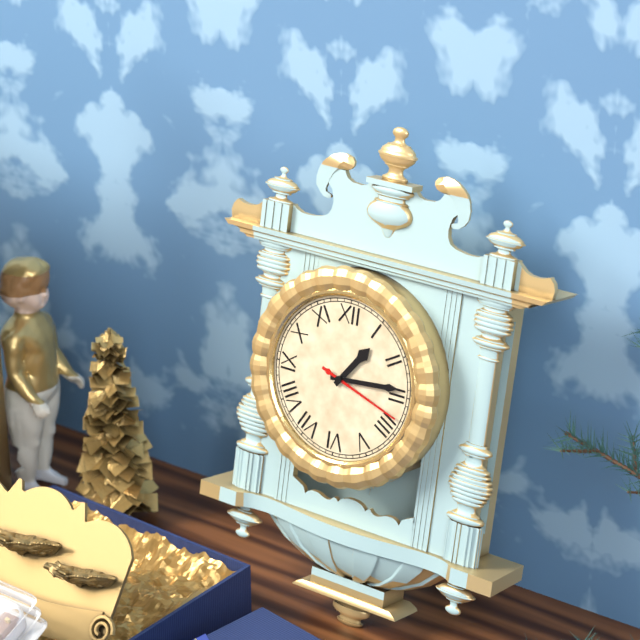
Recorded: 1.14.18
